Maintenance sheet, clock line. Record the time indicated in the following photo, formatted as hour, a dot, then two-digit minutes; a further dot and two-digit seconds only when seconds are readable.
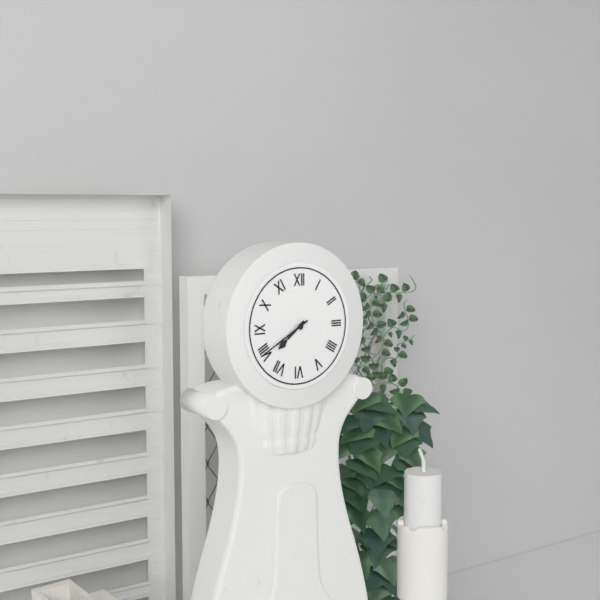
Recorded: 7.40
